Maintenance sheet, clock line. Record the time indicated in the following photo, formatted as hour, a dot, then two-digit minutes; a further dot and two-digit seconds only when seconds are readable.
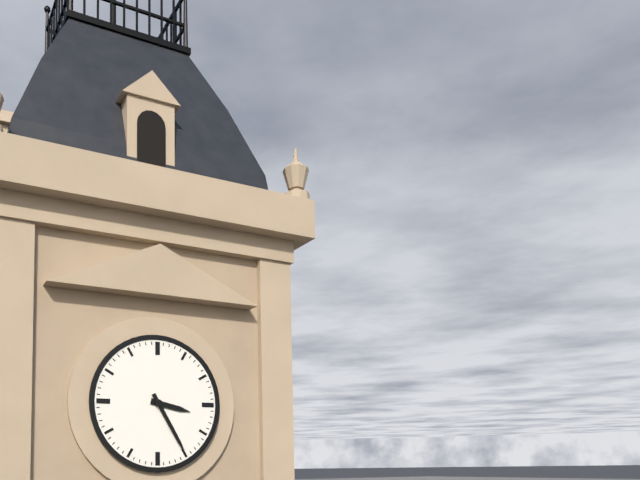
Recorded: 3.25
